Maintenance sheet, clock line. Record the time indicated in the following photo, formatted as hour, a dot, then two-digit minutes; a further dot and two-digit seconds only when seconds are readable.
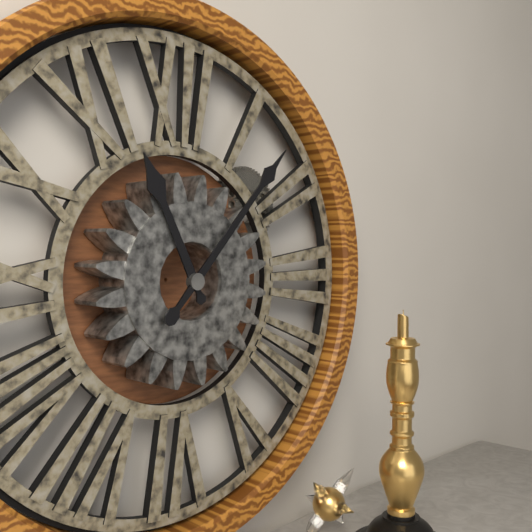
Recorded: 11.07
